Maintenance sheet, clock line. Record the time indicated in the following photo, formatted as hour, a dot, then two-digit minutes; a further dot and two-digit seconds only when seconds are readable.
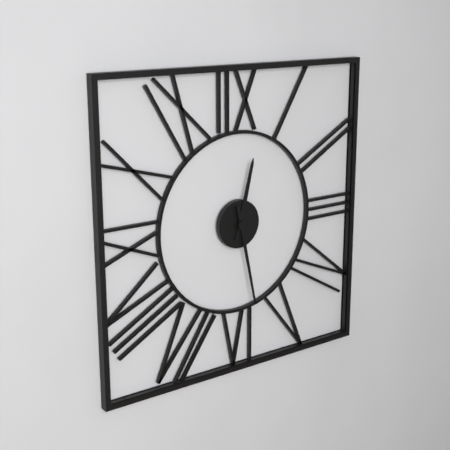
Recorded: 12.28
